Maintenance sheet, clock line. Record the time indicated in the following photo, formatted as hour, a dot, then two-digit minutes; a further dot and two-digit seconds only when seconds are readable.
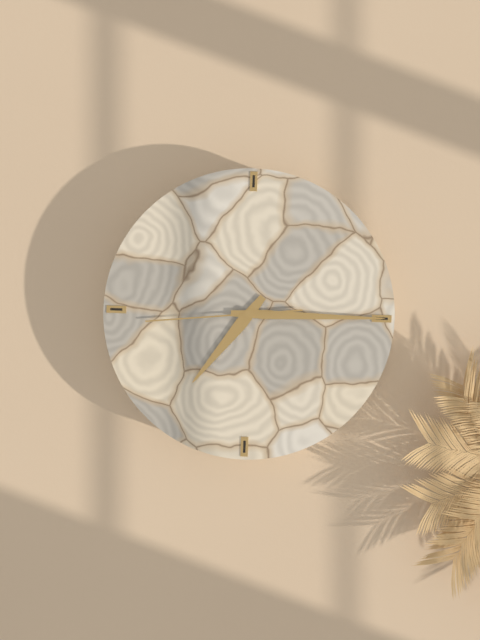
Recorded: 7.15.44
